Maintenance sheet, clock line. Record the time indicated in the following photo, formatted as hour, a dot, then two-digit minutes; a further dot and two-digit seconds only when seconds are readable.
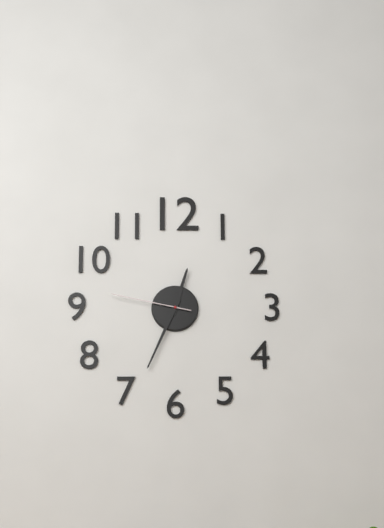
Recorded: 12.34.47
